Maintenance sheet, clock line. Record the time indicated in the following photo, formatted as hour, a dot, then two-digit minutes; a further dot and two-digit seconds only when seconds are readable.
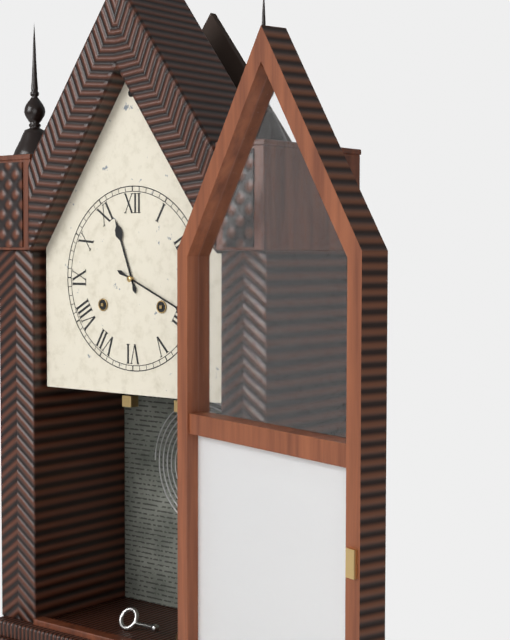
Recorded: 11.19
